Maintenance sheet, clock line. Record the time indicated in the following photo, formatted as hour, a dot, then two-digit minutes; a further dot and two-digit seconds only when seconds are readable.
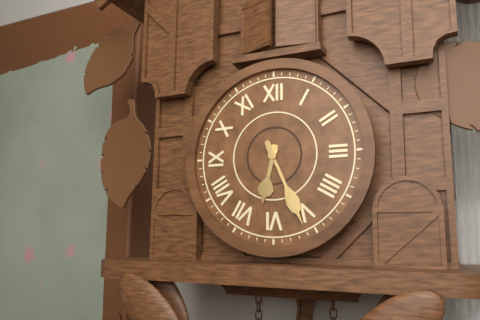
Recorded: 6.26
